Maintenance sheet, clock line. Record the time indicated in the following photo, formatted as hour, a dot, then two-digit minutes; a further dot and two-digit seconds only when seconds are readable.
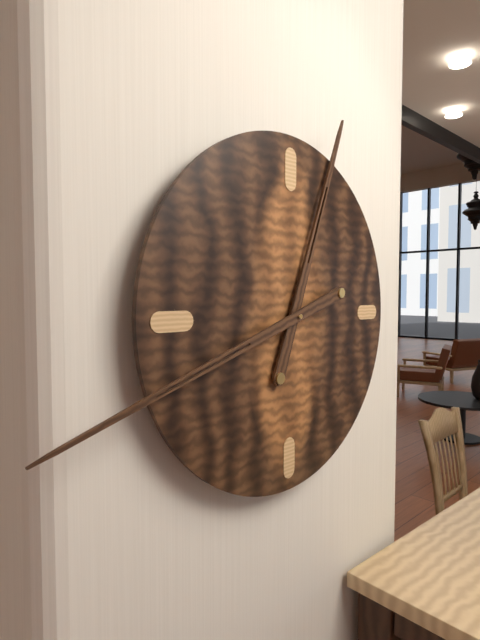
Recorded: 12.42
